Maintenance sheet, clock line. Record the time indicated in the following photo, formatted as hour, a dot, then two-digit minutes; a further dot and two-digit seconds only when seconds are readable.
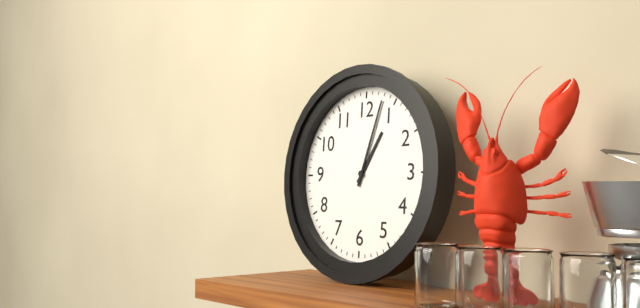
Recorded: 1.03
